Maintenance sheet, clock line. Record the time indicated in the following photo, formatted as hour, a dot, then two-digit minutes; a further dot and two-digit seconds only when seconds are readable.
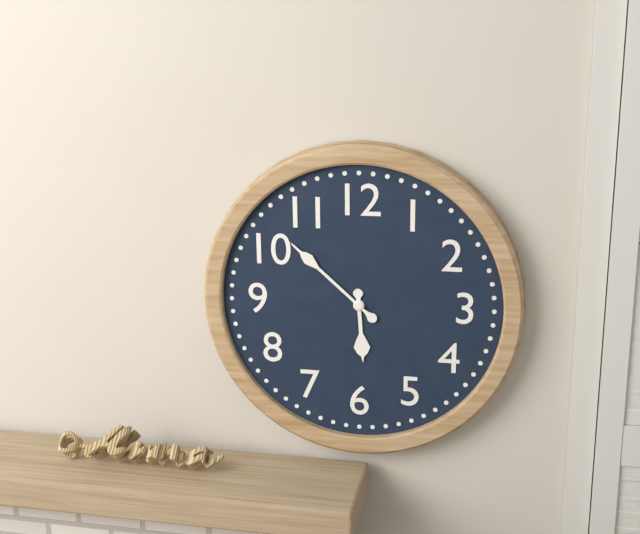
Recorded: 5.52
